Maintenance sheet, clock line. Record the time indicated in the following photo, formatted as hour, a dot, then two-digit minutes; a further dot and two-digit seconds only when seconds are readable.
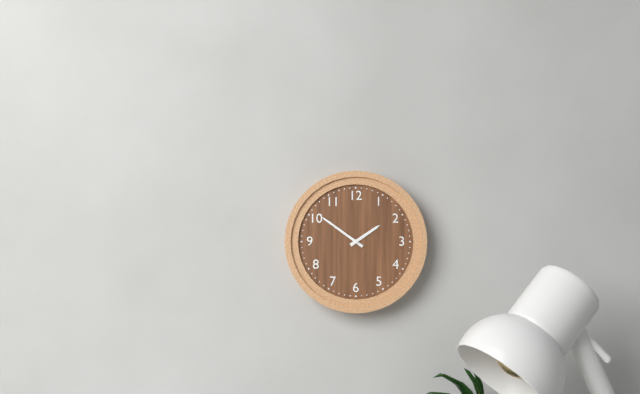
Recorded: 1.51
